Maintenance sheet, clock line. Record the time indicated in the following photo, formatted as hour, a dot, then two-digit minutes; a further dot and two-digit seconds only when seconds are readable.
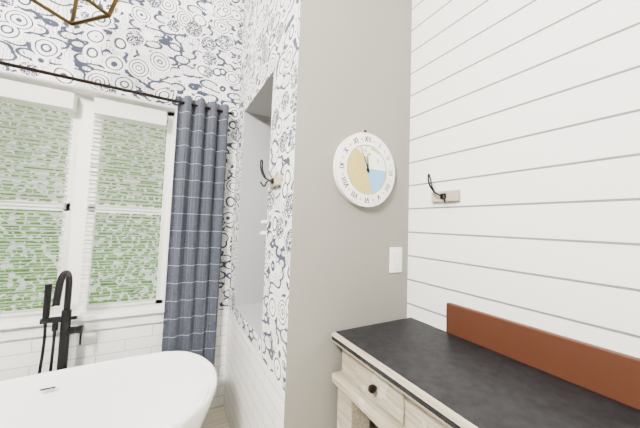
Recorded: 11.56
